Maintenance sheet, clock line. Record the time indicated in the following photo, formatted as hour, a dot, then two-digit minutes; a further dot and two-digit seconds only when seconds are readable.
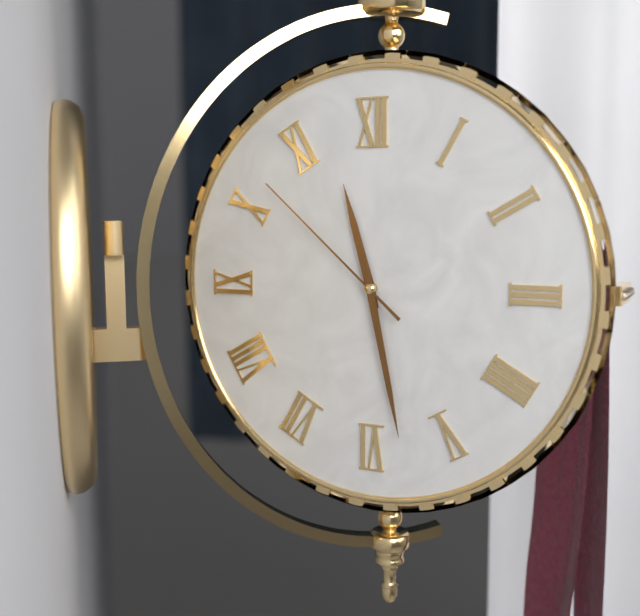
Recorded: 11.28.52
